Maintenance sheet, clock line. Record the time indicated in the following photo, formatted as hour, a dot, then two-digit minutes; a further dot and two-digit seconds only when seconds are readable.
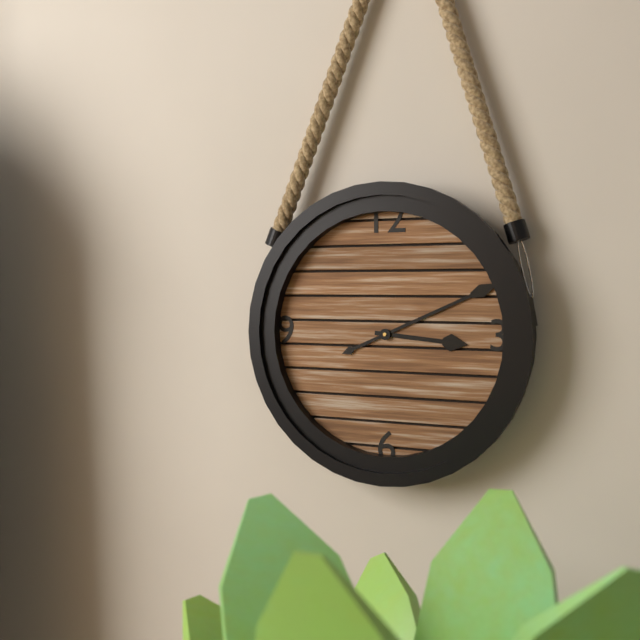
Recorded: 3.11
